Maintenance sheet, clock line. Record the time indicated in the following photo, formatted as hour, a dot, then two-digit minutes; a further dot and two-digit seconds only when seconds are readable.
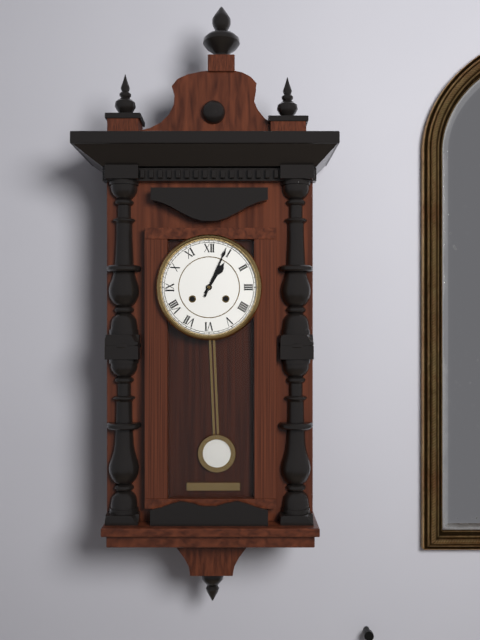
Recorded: 1.04
